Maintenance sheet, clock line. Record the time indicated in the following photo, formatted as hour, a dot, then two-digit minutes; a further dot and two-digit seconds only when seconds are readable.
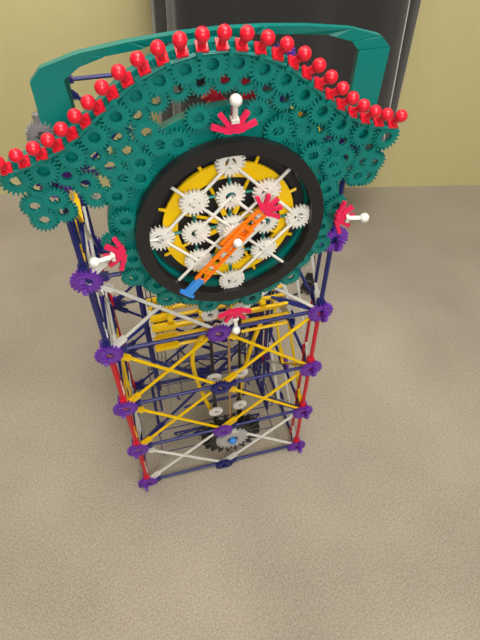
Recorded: 1.37
